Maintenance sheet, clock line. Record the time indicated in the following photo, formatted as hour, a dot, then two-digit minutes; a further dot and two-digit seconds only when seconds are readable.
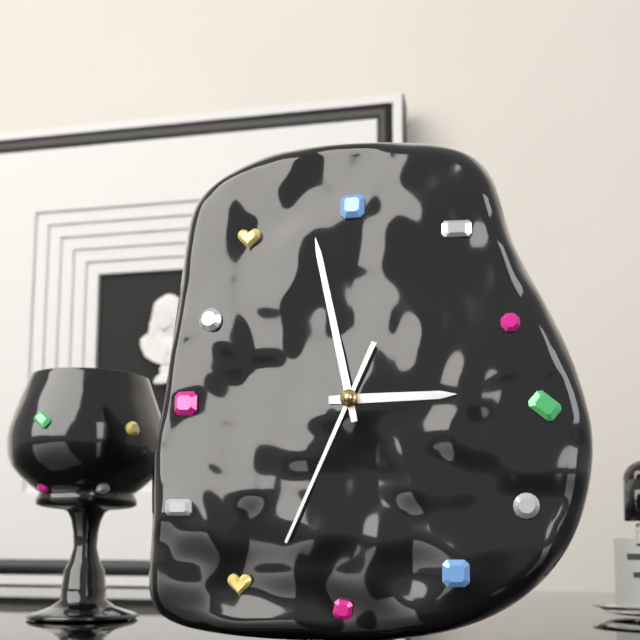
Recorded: 2.58.34
